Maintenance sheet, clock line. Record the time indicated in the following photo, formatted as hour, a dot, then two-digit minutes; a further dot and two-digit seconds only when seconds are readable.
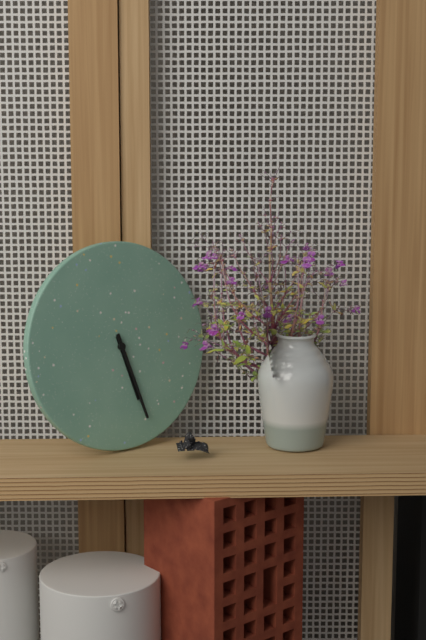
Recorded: 5.27
